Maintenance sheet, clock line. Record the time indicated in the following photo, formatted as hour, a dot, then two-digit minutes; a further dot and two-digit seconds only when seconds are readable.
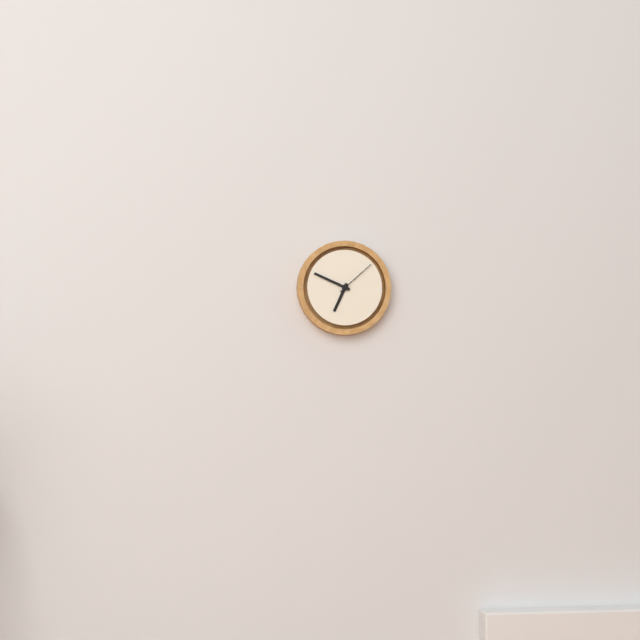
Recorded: 6.49
